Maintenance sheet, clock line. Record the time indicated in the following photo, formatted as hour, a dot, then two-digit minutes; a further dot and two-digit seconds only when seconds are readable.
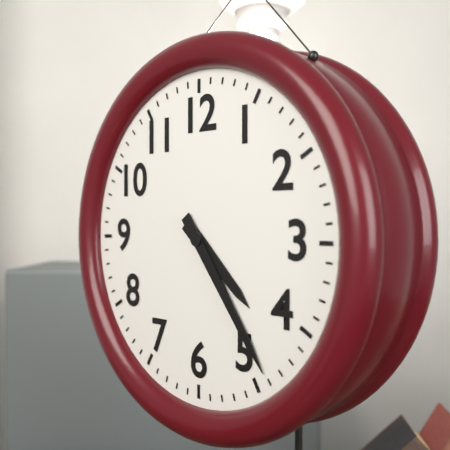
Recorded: 4.24
